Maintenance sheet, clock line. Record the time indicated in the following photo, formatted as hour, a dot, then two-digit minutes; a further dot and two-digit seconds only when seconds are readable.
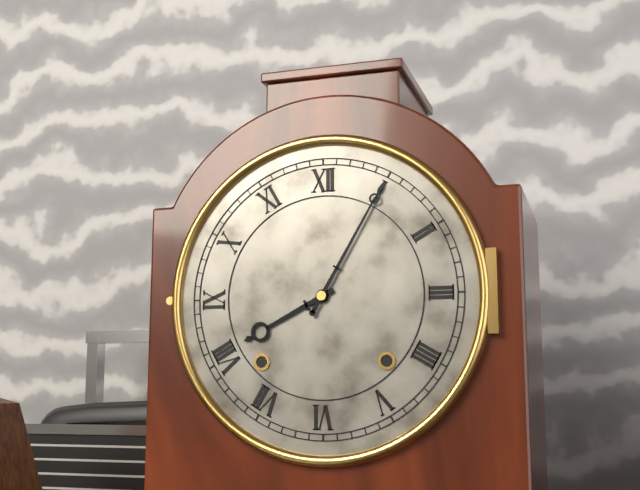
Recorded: 8.05
